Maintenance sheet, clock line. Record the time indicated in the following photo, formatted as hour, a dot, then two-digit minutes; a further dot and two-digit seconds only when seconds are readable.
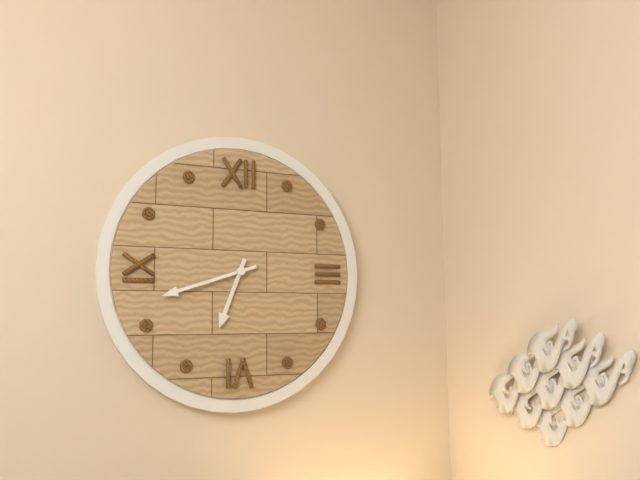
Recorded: 6.42
